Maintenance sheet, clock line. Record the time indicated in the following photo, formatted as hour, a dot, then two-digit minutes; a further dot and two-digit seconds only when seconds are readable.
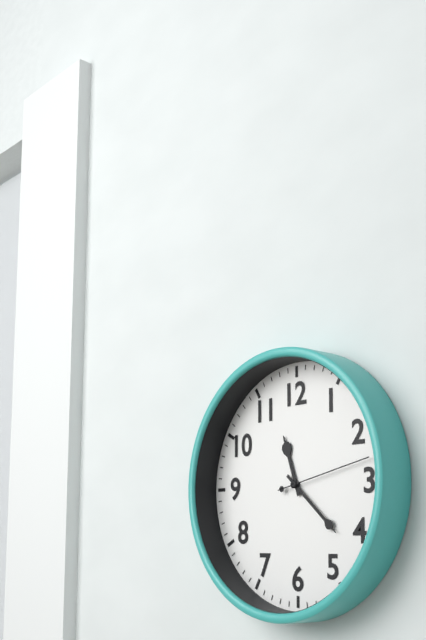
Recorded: 11.22.13
